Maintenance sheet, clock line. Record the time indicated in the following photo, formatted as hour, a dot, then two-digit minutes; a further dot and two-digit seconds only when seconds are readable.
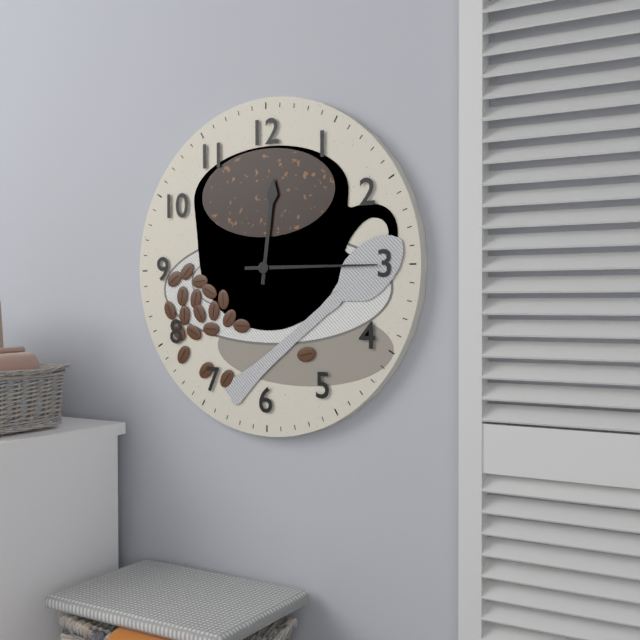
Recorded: 12.15
